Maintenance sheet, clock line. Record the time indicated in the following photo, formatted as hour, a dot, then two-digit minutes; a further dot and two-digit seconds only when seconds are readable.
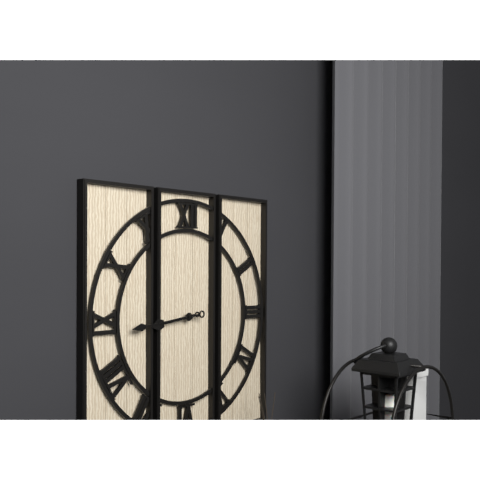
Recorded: 8.44
